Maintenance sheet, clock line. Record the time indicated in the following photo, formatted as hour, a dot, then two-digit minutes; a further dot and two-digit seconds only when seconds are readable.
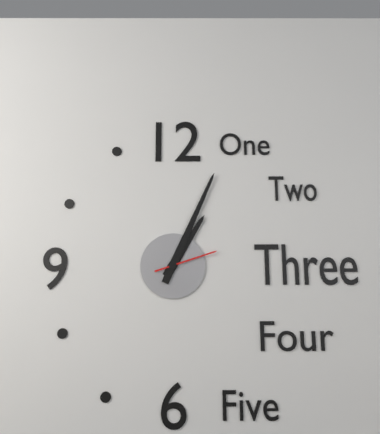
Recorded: 1.04.12
